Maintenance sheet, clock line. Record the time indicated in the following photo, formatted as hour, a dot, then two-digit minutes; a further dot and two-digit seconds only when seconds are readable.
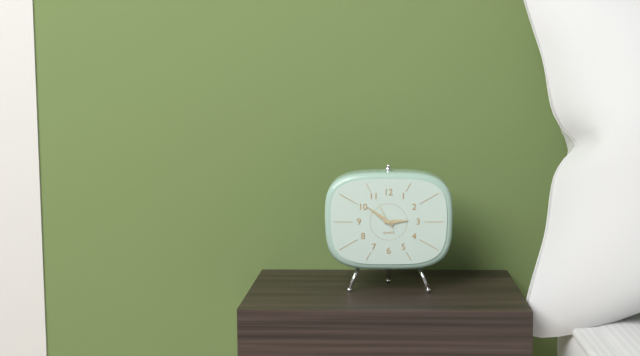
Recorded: 2.51
